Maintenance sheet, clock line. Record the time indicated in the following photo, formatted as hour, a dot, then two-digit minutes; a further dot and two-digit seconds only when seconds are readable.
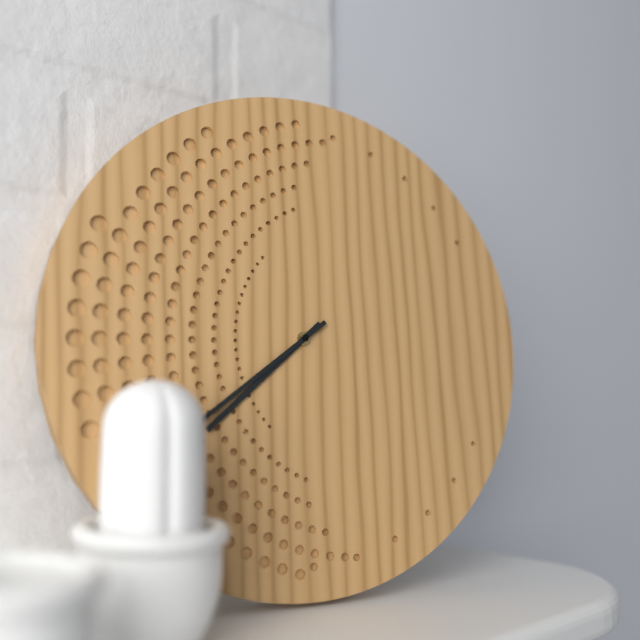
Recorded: 7.39
